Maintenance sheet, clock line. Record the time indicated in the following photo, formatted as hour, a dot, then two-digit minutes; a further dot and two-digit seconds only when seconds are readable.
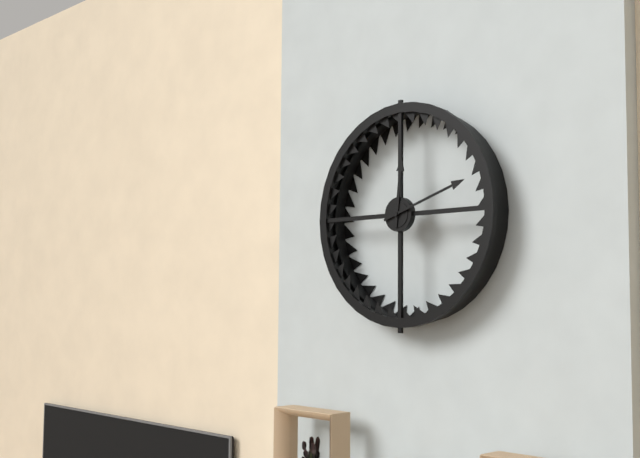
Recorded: 12.12
